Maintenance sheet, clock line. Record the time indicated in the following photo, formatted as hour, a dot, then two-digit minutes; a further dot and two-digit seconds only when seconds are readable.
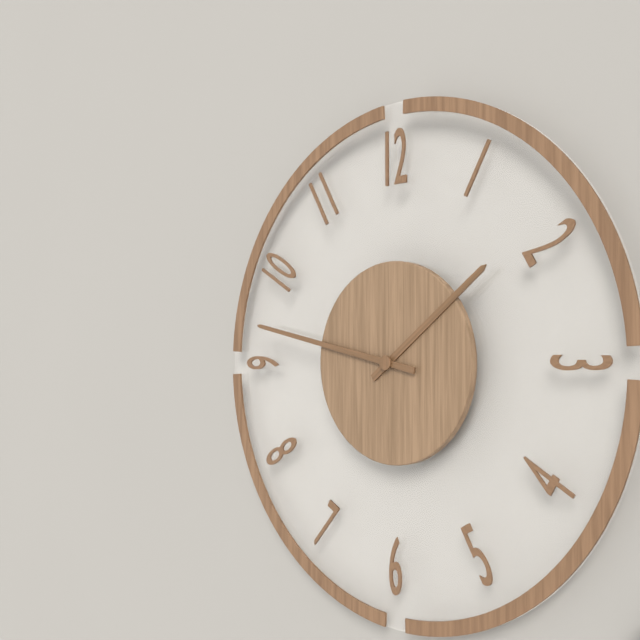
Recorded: 1.47
